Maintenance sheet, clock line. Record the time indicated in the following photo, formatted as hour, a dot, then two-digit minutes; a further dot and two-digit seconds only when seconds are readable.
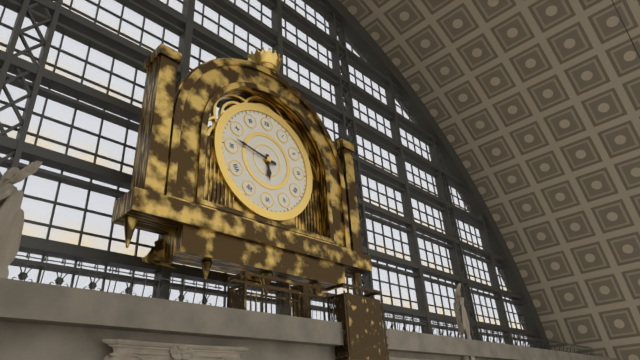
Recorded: 5.47
